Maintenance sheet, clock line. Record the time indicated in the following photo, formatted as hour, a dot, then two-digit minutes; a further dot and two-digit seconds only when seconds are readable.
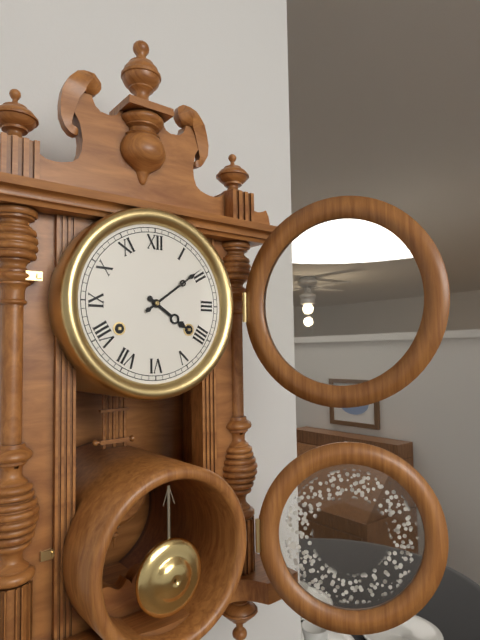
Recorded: 4.09
